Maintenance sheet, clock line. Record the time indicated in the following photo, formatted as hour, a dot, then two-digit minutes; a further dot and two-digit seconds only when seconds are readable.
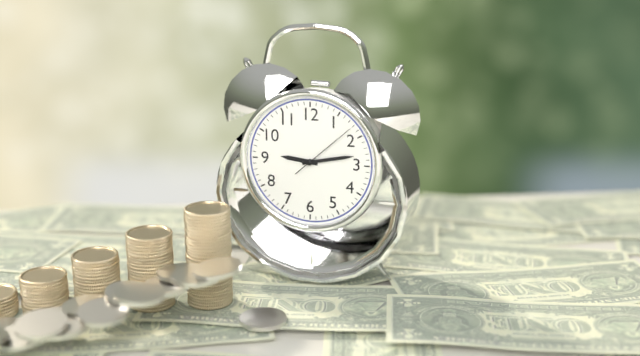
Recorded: 9.13.08
